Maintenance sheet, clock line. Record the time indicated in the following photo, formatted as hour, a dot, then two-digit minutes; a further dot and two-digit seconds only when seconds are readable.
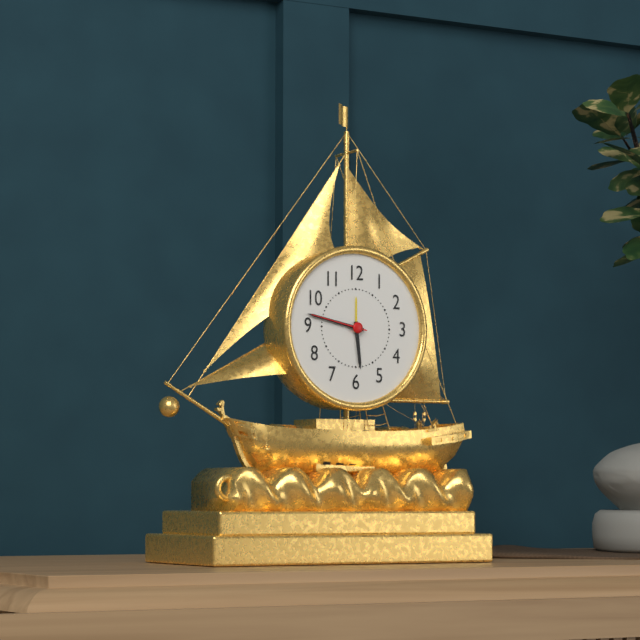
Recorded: 5.47.47
